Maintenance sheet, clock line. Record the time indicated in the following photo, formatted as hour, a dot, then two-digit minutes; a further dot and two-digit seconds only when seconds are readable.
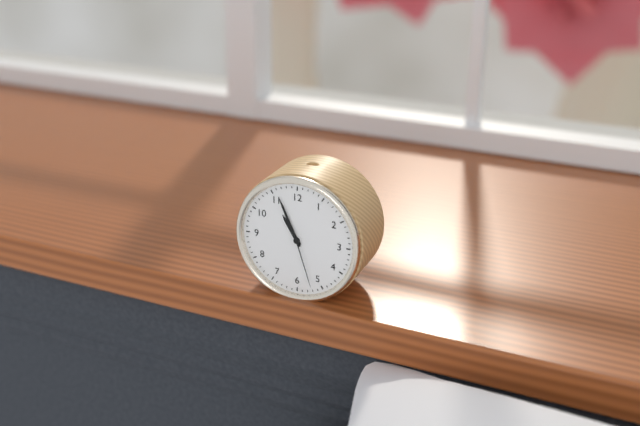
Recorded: 10.56.27
